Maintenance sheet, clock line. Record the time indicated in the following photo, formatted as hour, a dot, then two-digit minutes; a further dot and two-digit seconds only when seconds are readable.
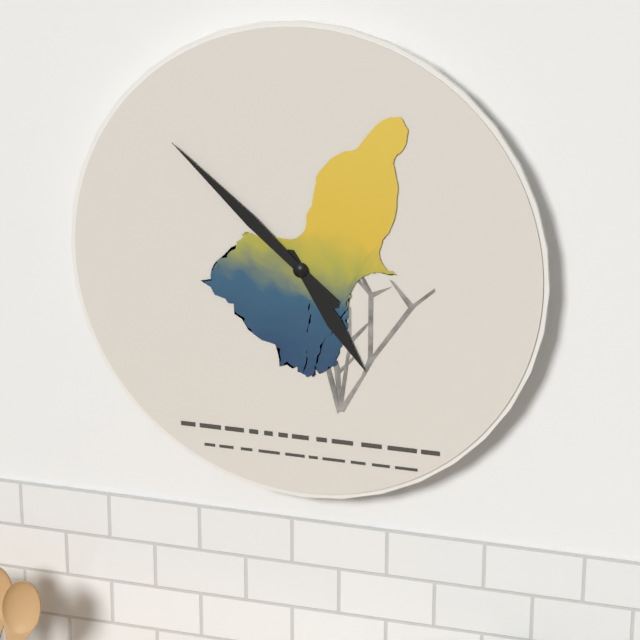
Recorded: 4.52
